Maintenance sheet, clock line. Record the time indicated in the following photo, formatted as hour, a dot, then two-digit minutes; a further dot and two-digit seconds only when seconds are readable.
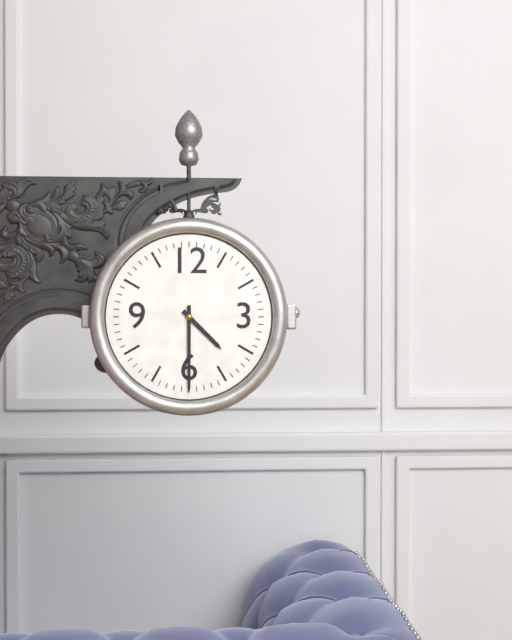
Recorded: 4.30
